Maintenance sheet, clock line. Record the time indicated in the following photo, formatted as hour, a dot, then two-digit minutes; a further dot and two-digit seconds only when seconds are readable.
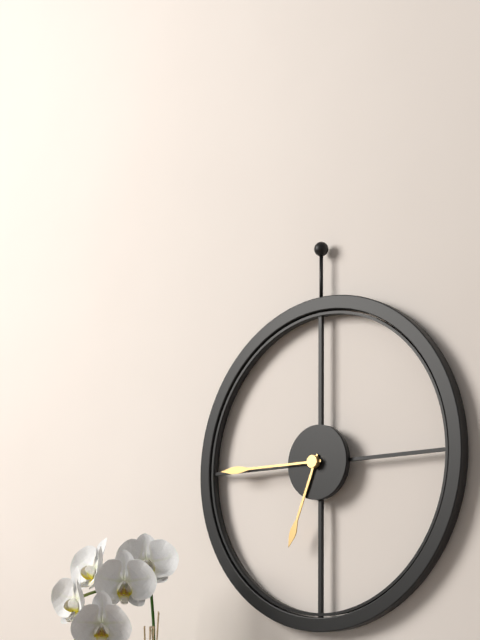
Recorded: 6.45
